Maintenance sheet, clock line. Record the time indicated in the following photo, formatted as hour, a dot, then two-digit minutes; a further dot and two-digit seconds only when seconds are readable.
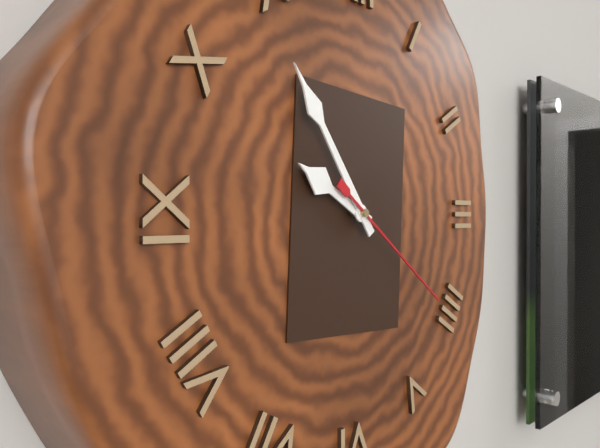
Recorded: 9.54.21
